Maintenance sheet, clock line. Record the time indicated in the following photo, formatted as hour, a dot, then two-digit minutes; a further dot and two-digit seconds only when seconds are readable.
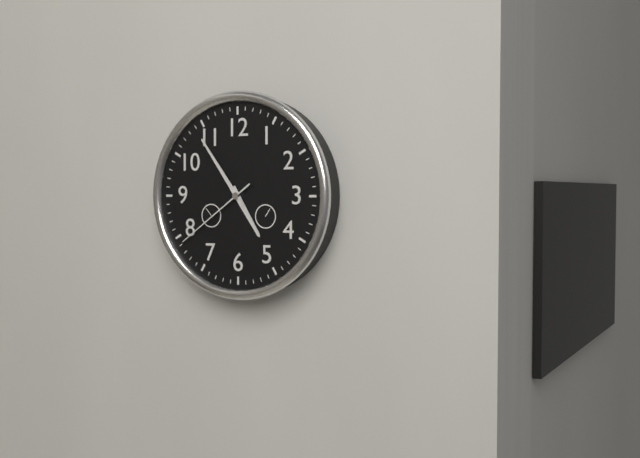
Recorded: 4.54.39
